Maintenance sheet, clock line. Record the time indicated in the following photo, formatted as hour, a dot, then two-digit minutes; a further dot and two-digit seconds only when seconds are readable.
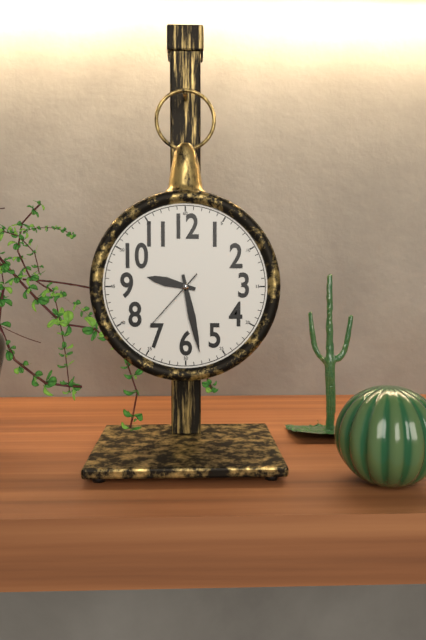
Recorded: 9.28.37
